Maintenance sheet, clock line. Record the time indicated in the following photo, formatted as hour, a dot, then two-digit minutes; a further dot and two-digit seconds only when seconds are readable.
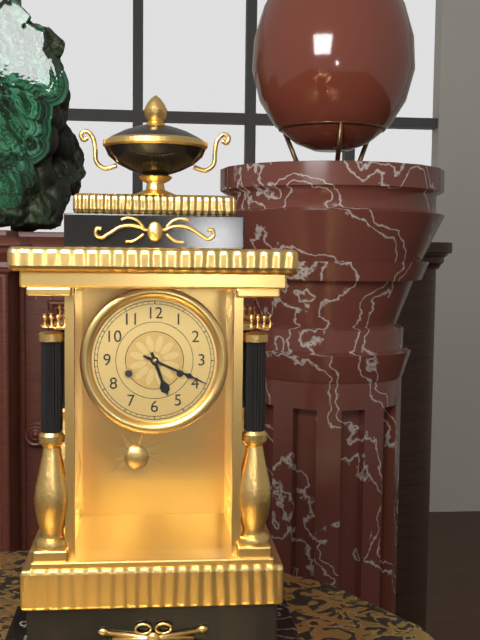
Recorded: 5.19
